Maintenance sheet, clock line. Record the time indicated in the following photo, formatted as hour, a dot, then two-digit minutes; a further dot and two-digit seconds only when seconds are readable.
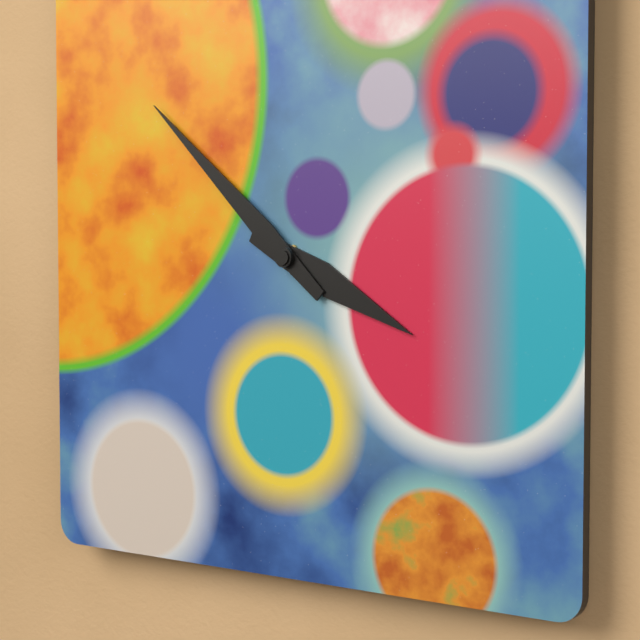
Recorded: 3.52
